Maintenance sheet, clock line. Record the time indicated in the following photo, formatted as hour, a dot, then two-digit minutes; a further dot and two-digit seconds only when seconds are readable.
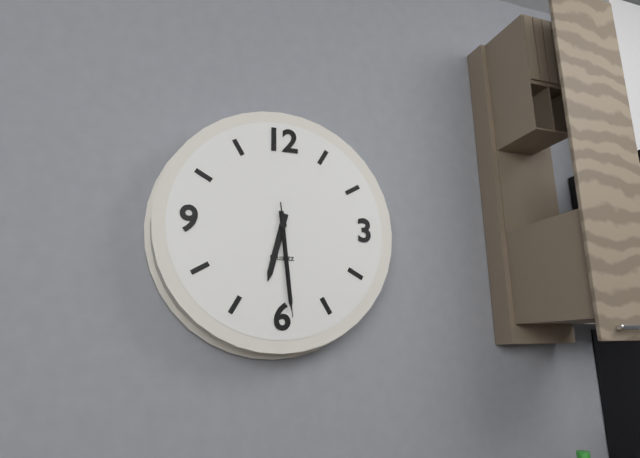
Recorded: 6.29.29
